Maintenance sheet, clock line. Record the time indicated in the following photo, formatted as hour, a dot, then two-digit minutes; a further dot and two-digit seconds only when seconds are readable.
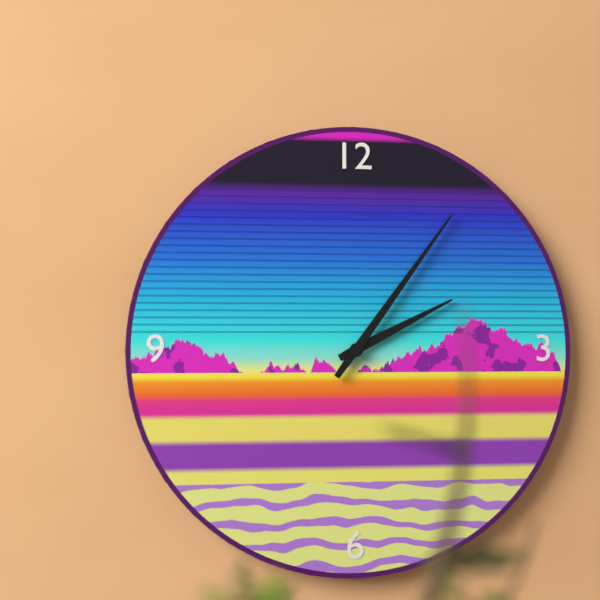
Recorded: 2.06
